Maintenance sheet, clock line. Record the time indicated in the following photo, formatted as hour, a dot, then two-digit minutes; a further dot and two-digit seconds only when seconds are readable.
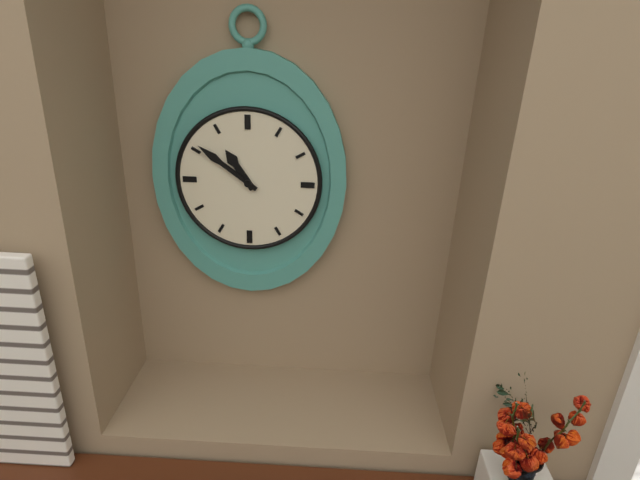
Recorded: 10.51
